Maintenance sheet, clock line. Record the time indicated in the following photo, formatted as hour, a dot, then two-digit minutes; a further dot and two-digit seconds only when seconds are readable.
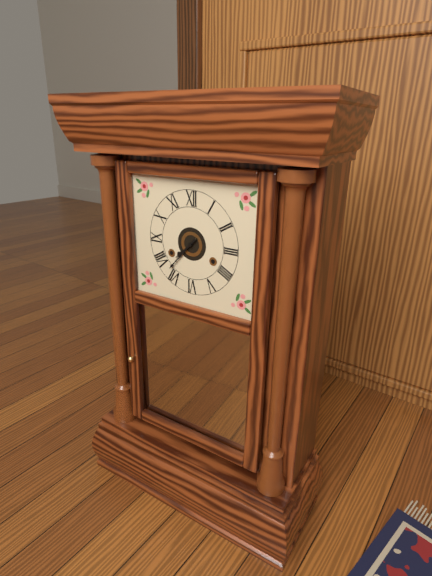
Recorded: 7.37
